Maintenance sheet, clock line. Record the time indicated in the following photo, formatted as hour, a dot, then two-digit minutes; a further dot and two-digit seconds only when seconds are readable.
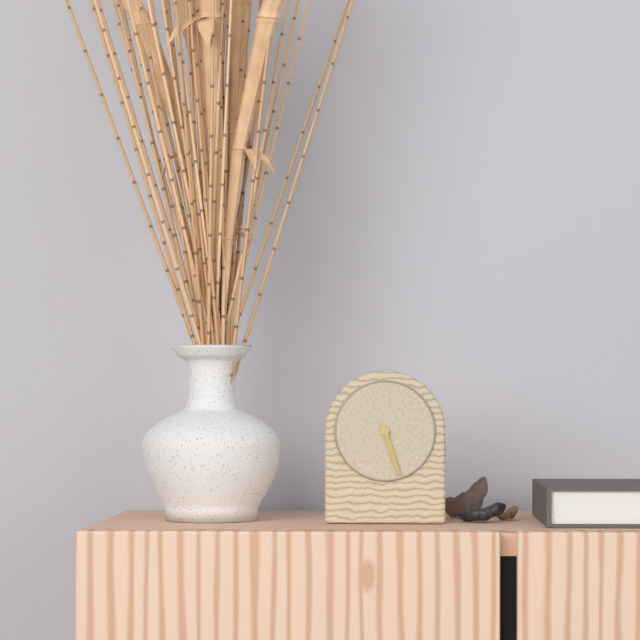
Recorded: 5.27
